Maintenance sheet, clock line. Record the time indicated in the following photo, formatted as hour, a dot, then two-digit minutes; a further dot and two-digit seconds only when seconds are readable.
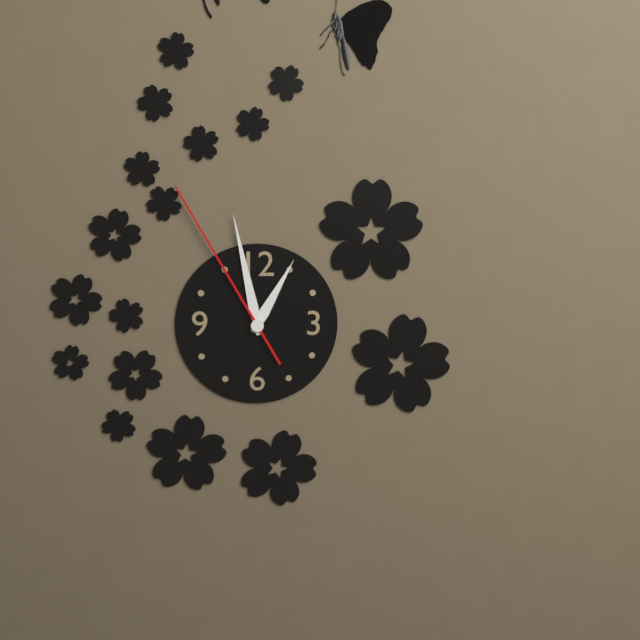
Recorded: 12.58.55
